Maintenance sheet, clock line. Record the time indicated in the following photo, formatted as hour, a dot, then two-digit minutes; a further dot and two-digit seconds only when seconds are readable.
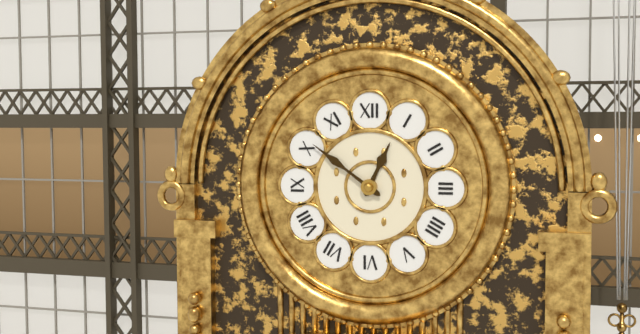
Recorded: 12.51
